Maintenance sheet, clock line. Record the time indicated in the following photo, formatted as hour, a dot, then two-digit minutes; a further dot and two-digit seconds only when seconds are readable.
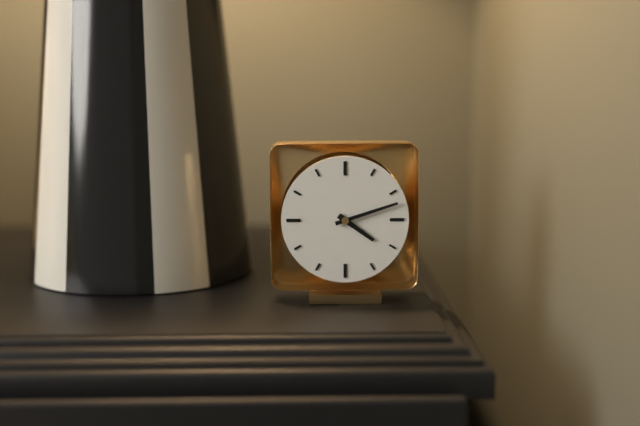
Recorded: 4.12
